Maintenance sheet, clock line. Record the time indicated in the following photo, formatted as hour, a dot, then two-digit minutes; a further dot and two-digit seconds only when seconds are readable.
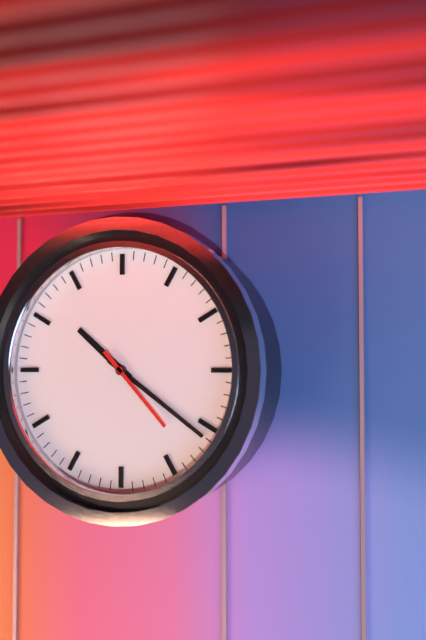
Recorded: 10.21.23
